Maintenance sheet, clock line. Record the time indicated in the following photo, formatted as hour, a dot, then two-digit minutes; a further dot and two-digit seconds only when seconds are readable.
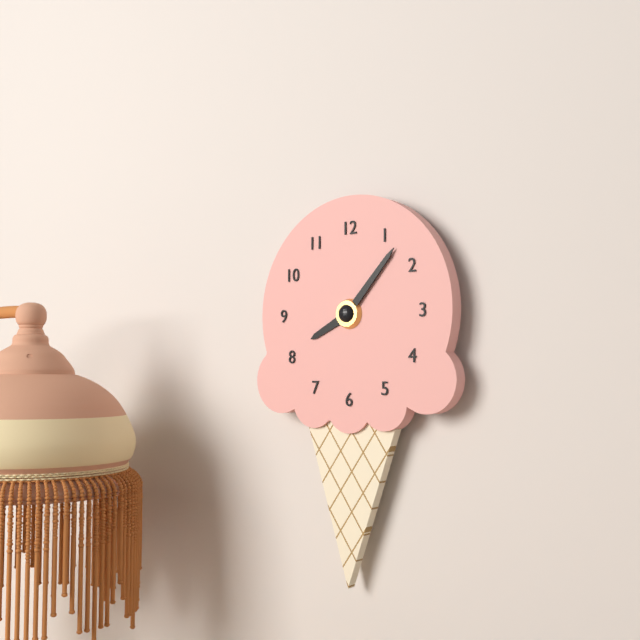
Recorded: 8.07
